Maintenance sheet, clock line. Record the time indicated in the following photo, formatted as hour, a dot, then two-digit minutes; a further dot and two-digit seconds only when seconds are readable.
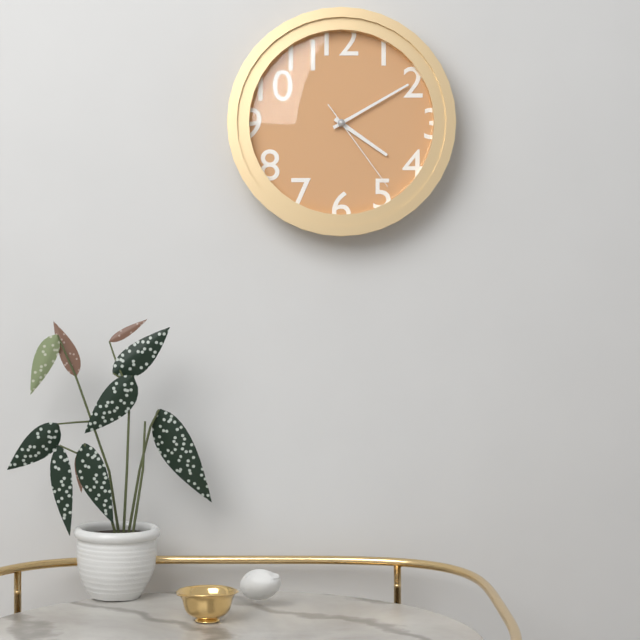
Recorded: 4.10.24
